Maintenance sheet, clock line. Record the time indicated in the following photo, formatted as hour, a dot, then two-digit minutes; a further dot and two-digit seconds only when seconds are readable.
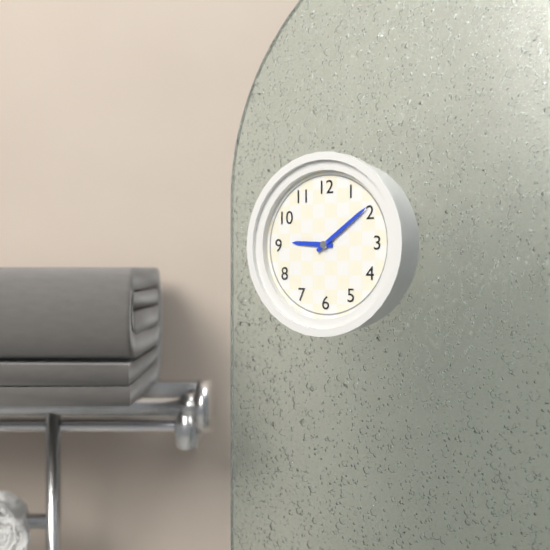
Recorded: 9.09
